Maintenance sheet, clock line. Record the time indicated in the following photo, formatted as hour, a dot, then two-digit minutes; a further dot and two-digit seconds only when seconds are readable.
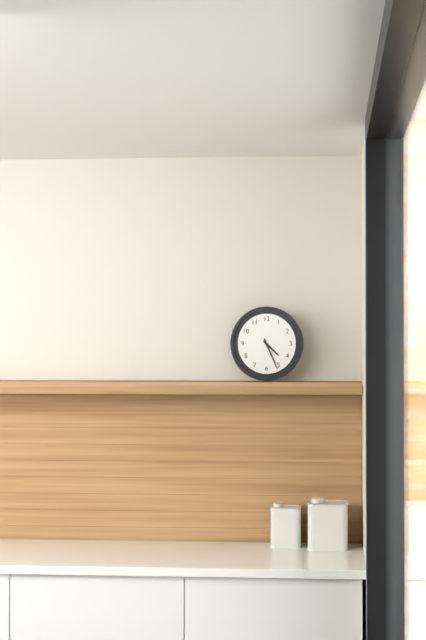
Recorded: 4.26
